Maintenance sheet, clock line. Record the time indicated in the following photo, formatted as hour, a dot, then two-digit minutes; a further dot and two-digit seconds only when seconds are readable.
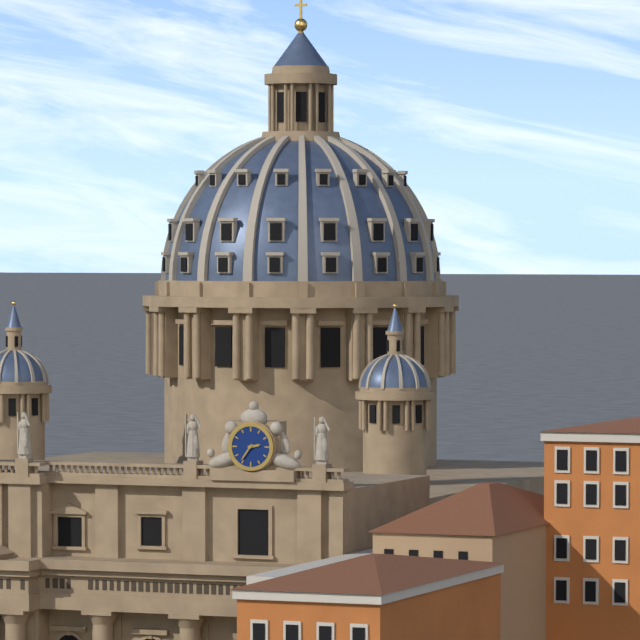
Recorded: 2.36
